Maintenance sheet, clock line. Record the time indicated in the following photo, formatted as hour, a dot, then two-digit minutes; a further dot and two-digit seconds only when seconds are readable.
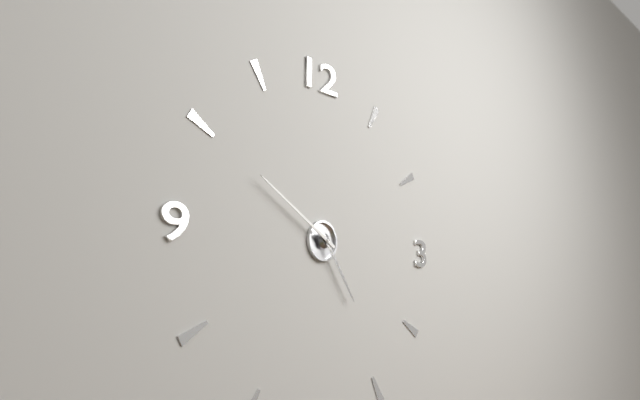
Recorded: 4.50
